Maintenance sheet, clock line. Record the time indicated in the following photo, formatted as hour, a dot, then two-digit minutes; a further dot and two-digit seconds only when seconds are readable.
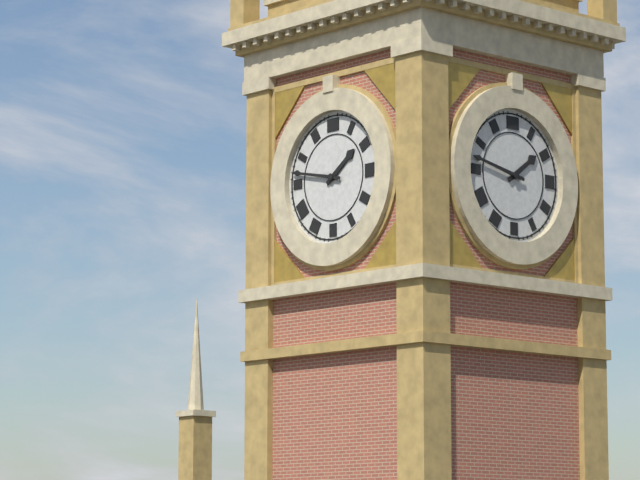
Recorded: 1.47
